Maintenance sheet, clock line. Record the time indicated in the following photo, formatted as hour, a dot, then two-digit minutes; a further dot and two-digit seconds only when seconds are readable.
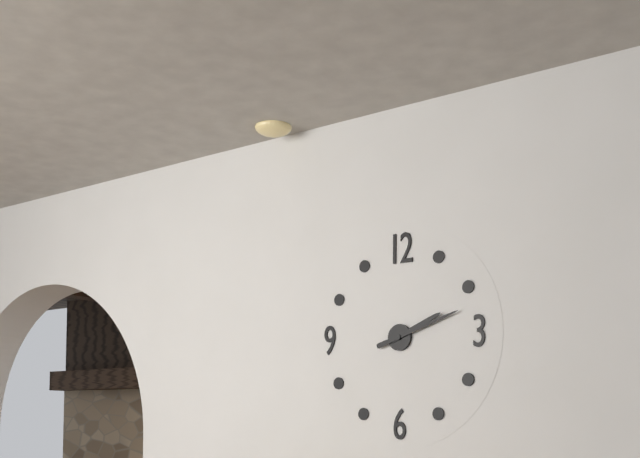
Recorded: 2.12
